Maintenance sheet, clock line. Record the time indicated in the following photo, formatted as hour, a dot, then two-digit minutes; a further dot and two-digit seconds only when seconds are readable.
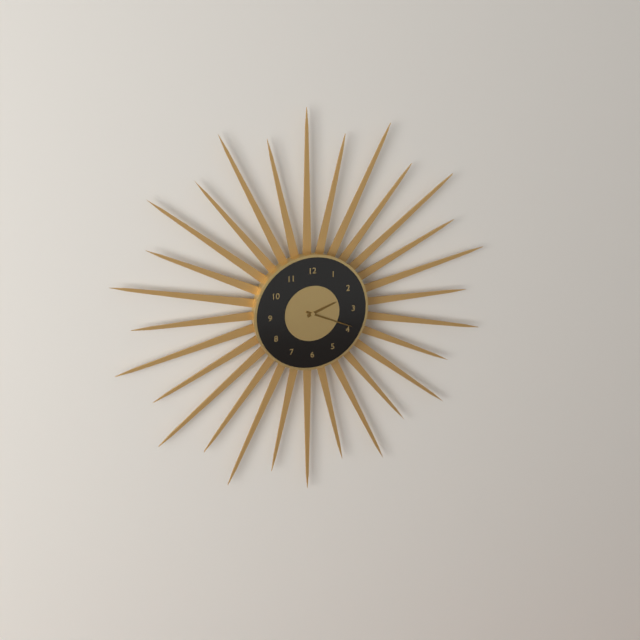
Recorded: 2.19
